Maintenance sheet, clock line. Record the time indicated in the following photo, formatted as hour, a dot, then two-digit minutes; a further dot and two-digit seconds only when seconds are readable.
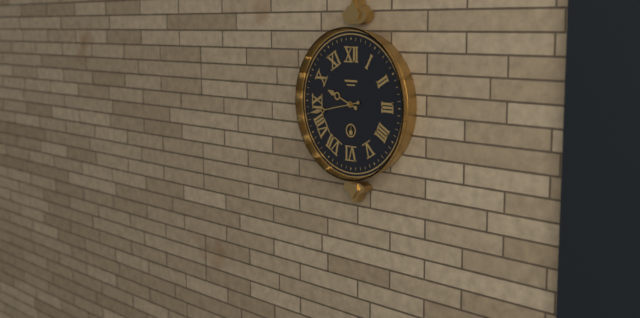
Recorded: 9.43
